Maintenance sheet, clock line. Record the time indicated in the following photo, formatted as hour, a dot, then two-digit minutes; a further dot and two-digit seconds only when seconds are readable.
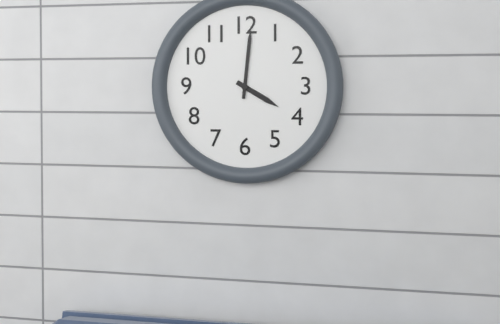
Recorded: 4.01
